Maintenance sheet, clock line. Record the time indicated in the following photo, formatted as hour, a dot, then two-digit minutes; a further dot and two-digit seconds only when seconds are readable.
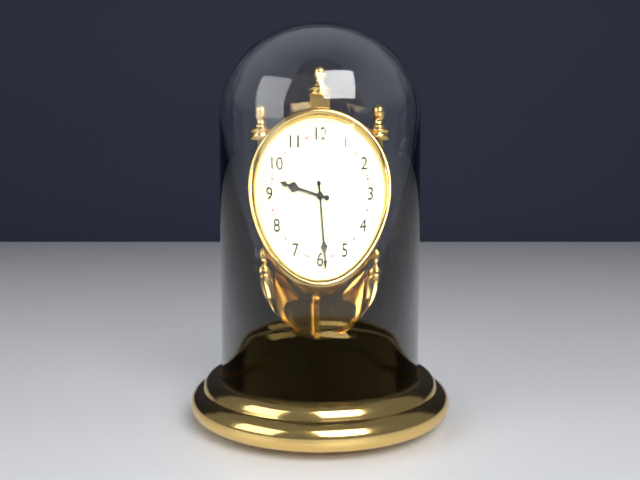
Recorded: 9.29
